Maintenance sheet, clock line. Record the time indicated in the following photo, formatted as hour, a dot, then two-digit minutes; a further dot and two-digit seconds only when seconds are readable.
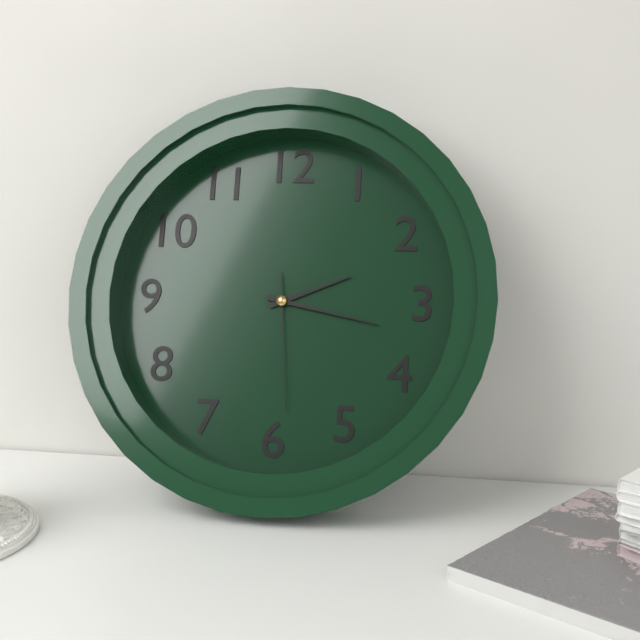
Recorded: 2.17.29
